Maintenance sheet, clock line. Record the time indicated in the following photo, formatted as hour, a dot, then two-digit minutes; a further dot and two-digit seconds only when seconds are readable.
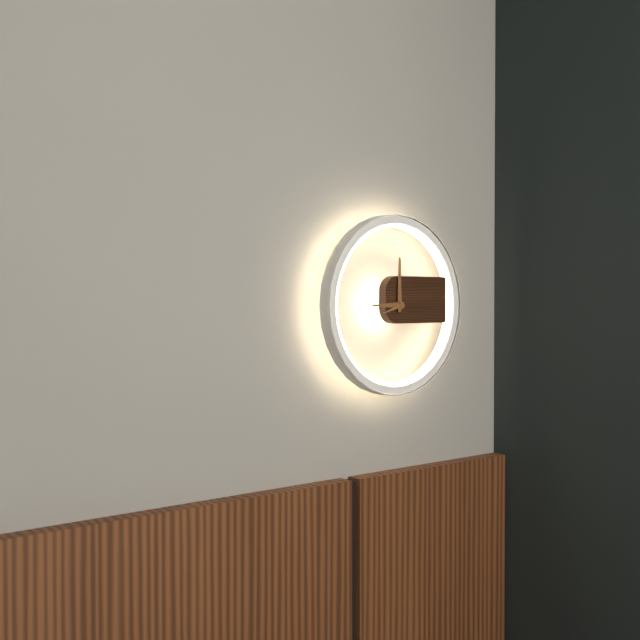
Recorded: 9.00
